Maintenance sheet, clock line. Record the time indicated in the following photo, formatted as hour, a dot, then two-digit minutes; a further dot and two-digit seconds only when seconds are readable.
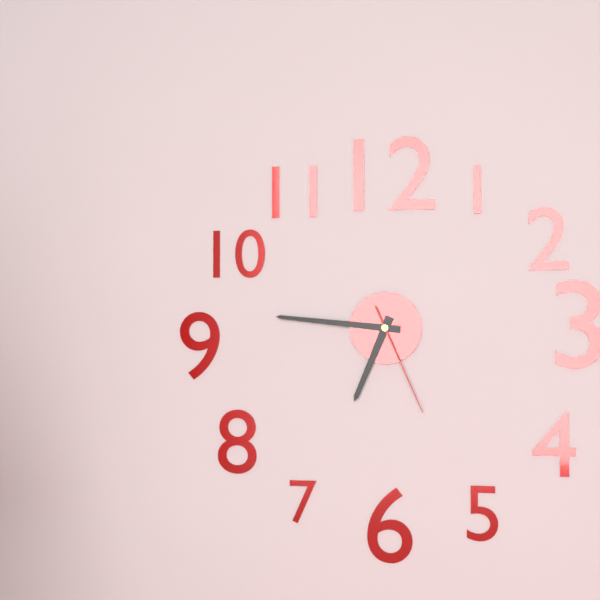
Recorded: 6.46.26
